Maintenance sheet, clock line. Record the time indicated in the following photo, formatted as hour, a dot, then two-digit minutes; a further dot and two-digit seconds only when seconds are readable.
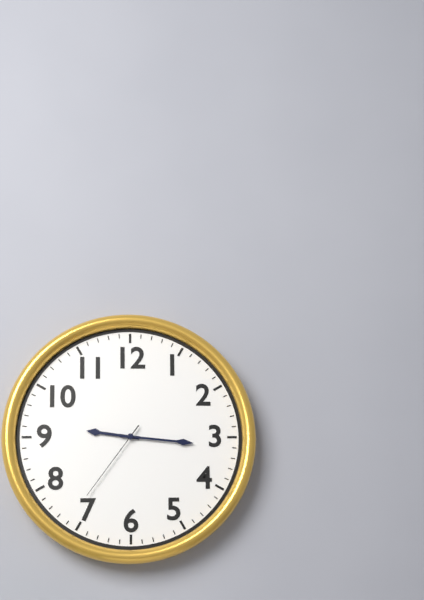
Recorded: 9.16.36
